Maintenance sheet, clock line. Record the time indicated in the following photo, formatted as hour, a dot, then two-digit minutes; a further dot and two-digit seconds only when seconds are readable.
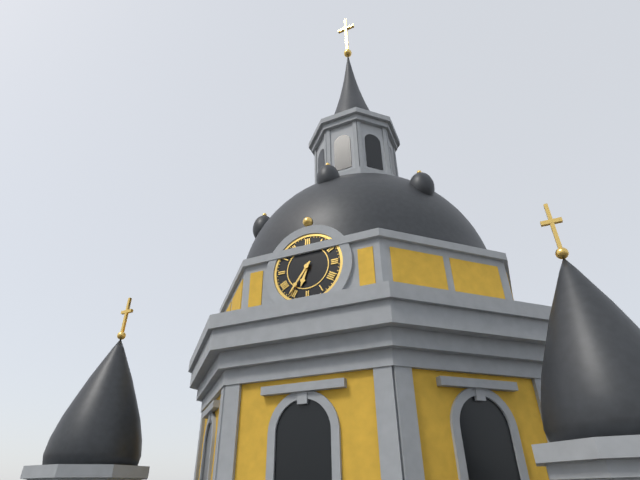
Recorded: 6.36
